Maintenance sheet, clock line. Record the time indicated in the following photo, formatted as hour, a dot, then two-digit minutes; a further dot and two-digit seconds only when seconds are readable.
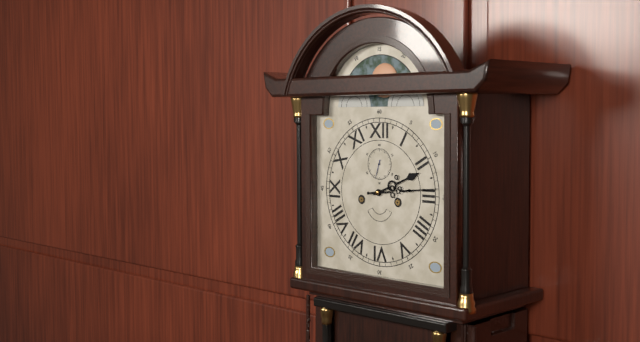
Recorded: 2.14
